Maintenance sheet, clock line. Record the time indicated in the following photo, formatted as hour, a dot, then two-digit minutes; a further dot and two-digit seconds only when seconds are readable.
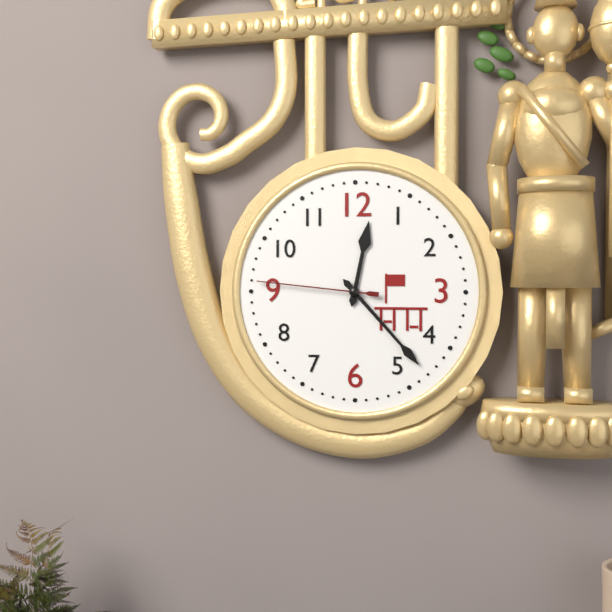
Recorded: 12.23.46
